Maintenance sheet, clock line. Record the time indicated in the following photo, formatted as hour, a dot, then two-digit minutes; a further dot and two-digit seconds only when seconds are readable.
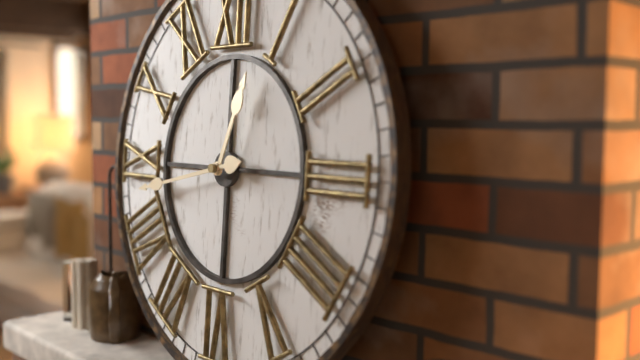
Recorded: 12.43
